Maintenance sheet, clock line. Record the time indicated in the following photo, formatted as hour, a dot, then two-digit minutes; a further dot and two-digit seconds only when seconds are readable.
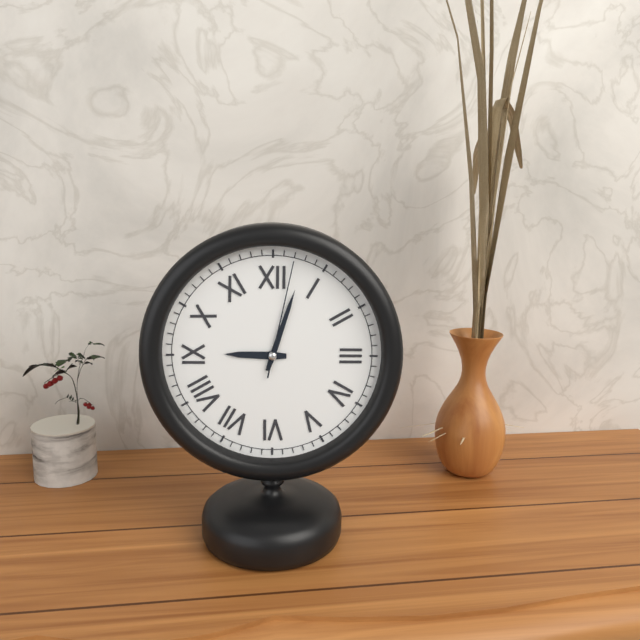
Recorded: 9.03.02
